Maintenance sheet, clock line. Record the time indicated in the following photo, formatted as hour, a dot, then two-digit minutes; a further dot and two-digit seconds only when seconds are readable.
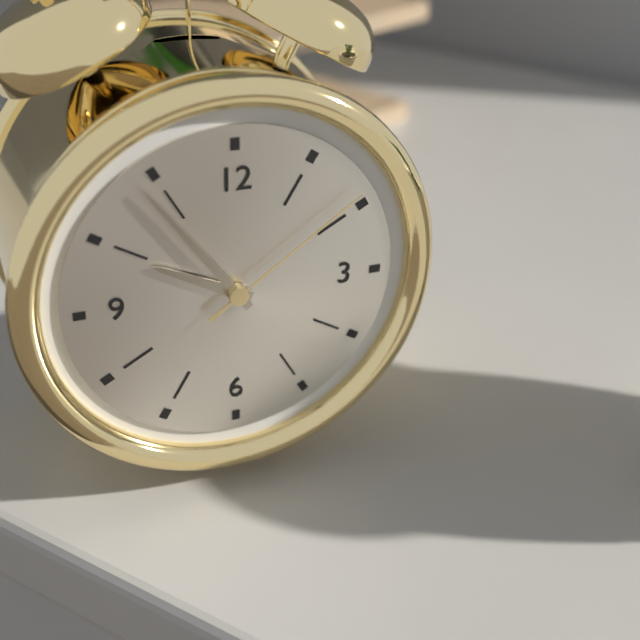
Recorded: 9.54.09
